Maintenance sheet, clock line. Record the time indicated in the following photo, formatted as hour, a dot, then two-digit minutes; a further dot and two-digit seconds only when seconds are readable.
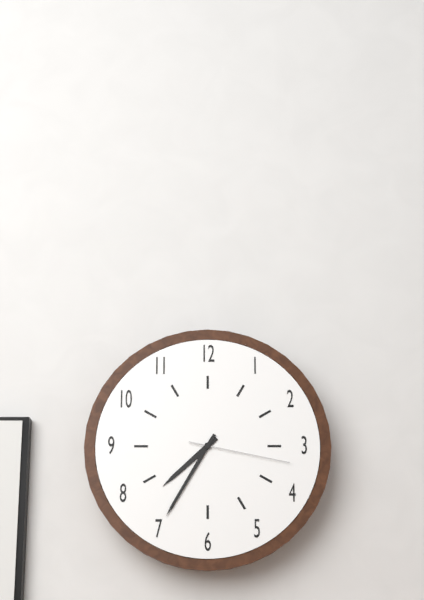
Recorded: 7.35.17
